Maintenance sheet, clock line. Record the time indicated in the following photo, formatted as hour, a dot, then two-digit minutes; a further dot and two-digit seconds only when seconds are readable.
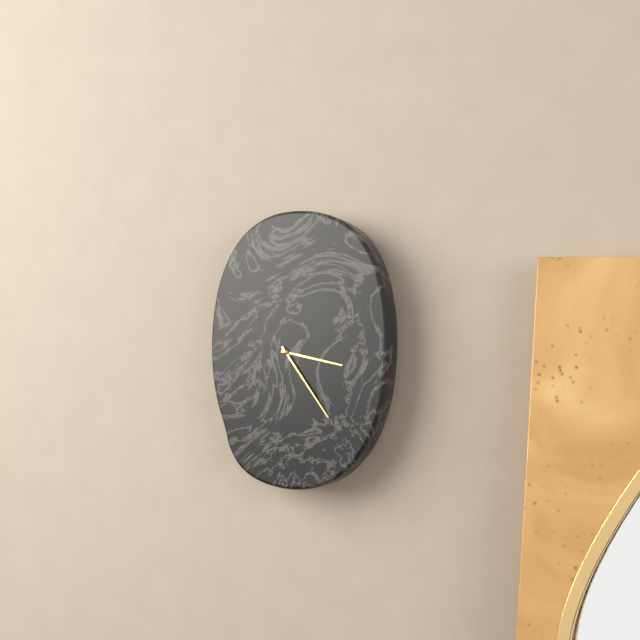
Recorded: 3.24
